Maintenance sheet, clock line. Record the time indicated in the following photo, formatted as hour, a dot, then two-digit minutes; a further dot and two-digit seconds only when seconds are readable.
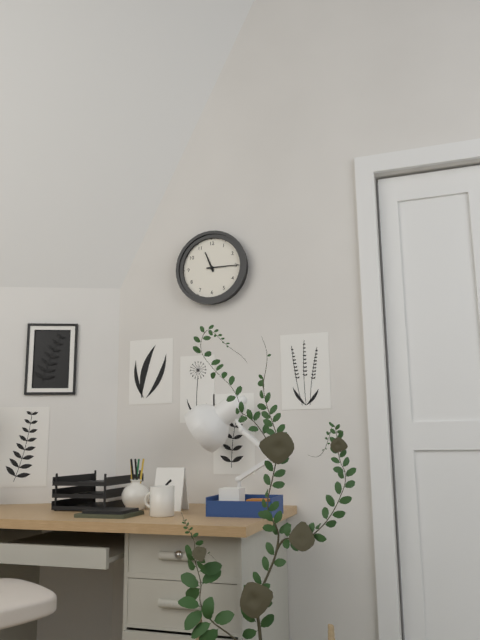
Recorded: 11.15
